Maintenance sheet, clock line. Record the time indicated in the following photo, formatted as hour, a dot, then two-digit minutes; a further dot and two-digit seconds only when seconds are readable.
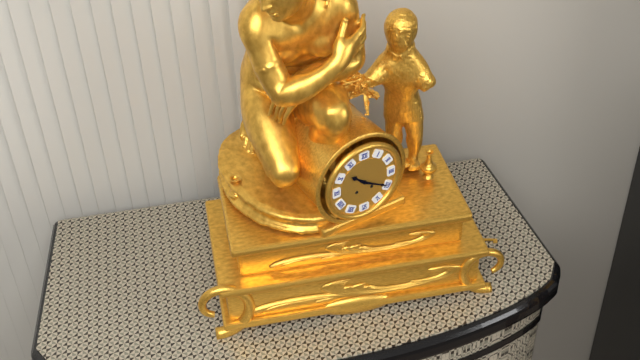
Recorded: 10.20
